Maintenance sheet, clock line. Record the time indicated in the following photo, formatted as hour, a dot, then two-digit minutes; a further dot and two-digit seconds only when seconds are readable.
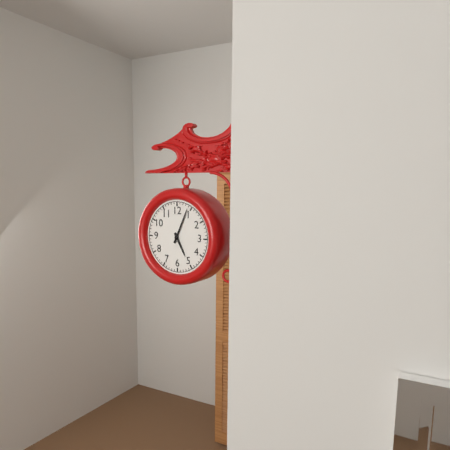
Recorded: 5.04
